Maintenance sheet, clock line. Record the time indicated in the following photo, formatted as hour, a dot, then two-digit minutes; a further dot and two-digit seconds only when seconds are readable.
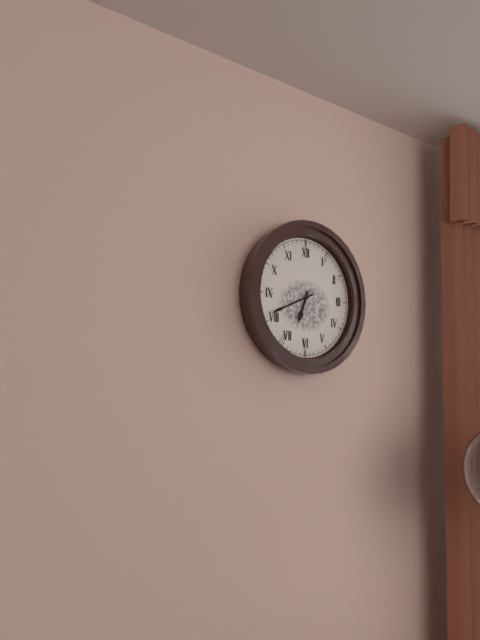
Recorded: 6.41
